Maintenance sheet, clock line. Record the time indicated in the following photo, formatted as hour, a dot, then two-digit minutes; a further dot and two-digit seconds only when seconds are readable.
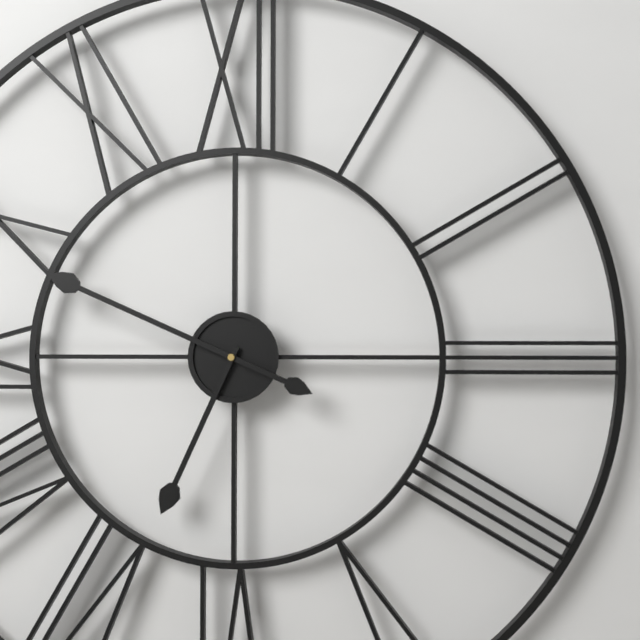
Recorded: 6.49
